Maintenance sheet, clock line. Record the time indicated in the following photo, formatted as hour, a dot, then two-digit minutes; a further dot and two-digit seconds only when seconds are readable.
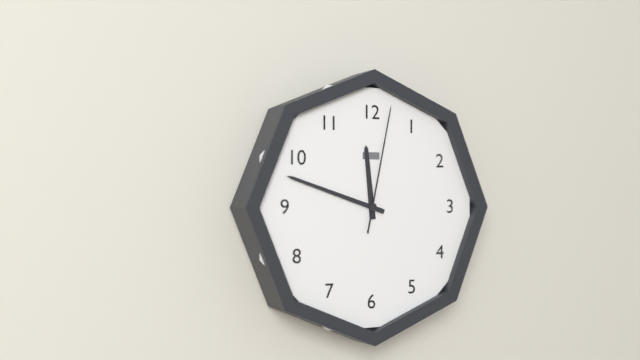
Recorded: 11.48.02
